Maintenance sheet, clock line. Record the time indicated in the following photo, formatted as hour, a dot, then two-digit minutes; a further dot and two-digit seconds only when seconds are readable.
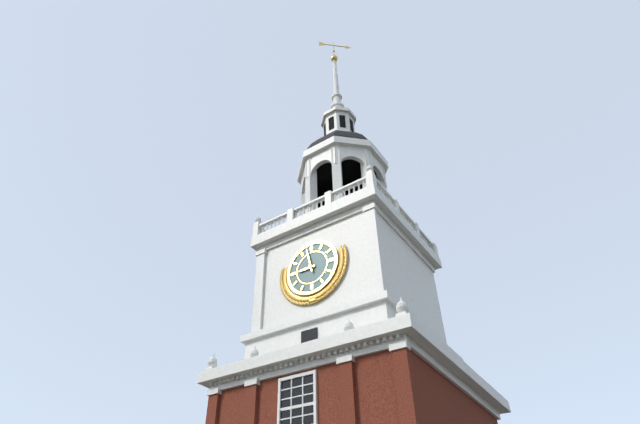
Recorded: 8.58
